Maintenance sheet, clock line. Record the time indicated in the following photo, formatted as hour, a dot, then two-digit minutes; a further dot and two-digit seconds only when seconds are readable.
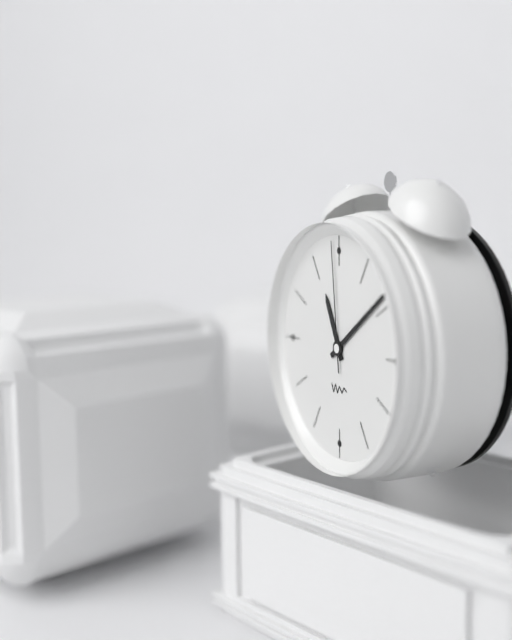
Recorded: 11.09.59
